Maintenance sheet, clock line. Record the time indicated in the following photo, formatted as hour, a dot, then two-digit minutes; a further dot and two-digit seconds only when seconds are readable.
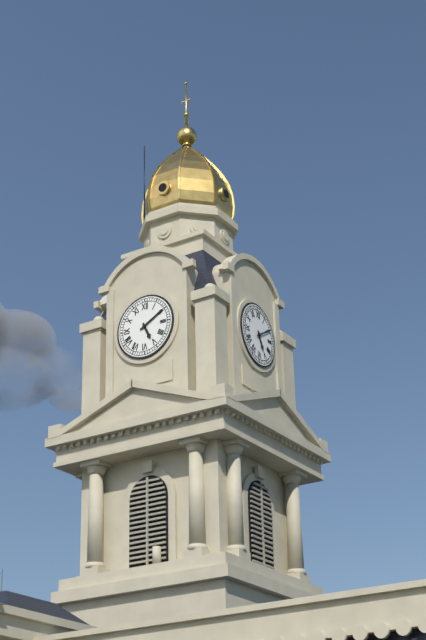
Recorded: 5.10
